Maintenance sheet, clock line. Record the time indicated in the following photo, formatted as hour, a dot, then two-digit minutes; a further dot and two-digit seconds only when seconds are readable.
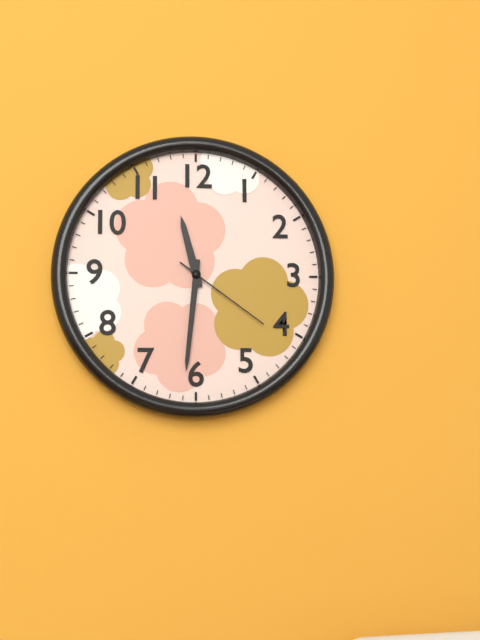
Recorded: 11.31.21
